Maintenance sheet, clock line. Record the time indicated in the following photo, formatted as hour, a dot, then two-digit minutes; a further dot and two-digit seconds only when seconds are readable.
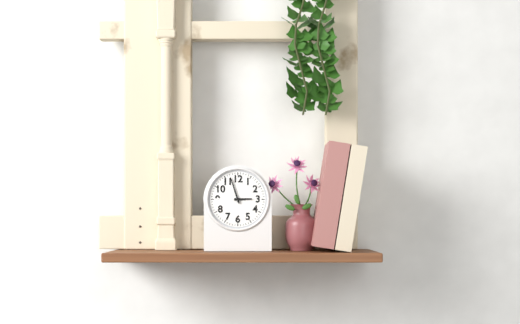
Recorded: 2.57
